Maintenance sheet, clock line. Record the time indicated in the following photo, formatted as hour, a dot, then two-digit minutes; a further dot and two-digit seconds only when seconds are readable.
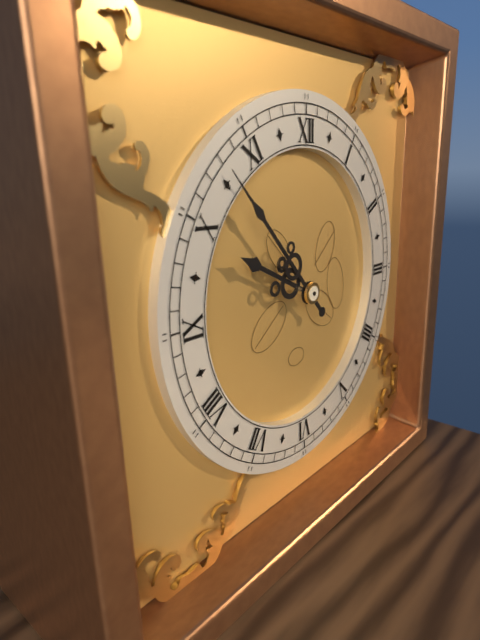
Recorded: 9.53
